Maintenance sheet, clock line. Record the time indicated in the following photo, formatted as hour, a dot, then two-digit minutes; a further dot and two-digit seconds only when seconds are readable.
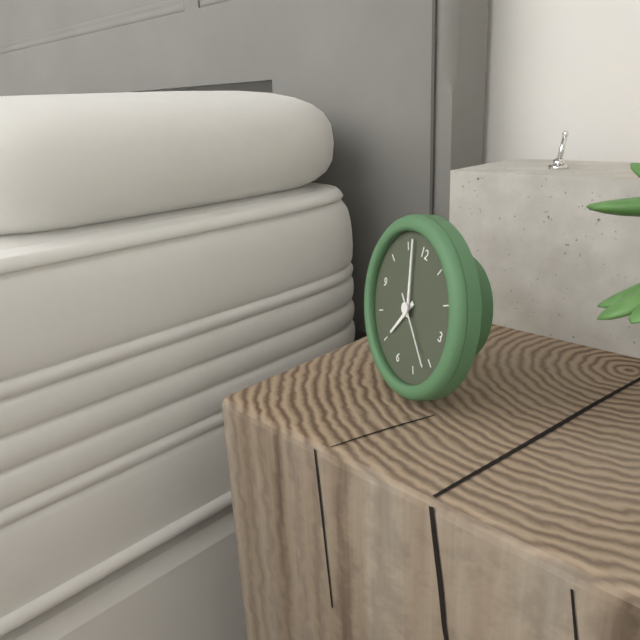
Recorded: 6.57.21
